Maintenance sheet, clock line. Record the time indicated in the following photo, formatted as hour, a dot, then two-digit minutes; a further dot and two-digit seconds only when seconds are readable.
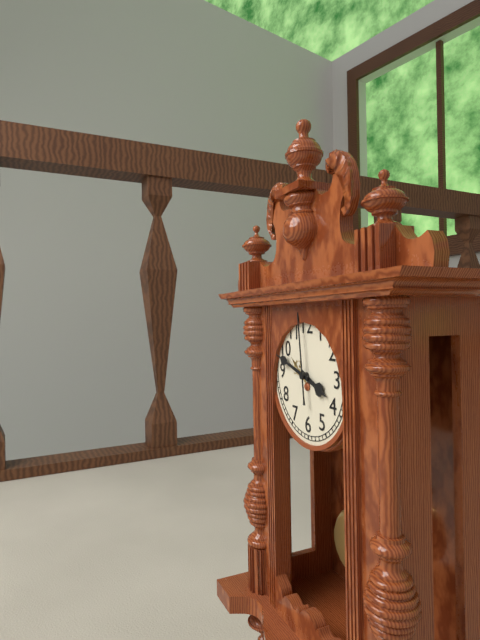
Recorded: 3.48.59
